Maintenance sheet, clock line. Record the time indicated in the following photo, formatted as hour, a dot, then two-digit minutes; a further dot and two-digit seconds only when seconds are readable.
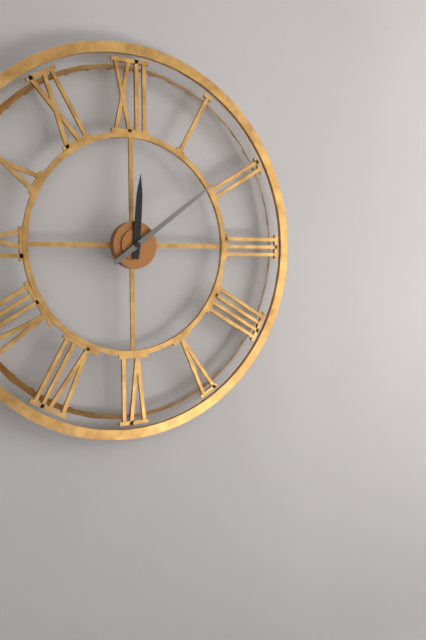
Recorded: 12.09
